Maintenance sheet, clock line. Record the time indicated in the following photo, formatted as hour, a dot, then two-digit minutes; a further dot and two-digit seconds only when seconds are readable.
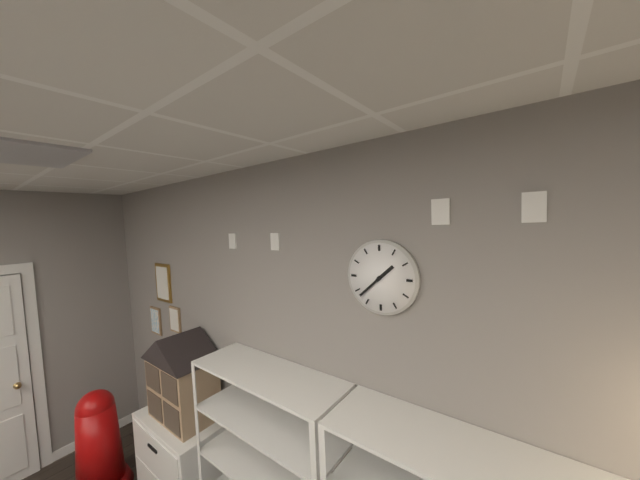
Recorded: 1.38
